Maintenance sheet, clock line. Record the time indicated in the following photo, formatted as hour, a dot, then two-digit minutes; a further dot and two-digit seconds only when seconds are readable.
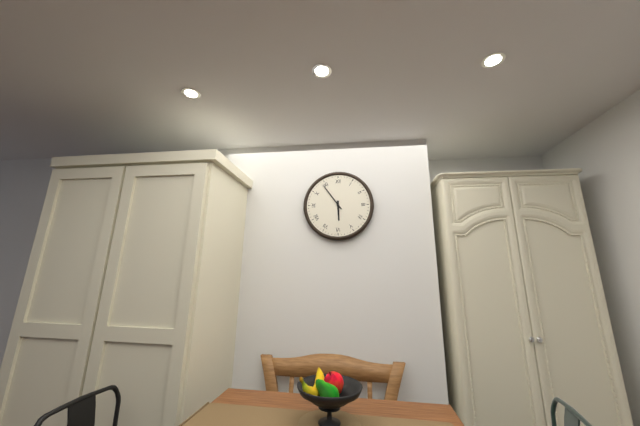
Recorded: 5.54
